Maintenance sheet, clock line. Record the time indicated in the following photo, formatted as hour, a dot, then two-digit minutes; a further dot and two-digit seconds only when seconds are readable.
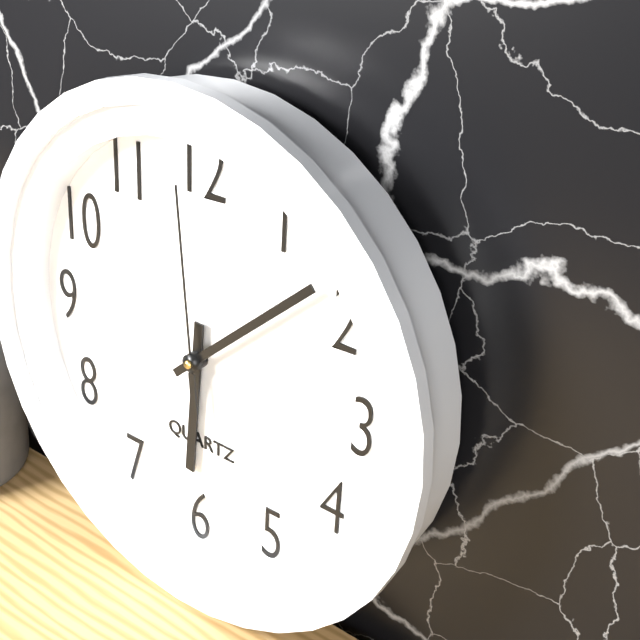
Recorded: 6.08.59
